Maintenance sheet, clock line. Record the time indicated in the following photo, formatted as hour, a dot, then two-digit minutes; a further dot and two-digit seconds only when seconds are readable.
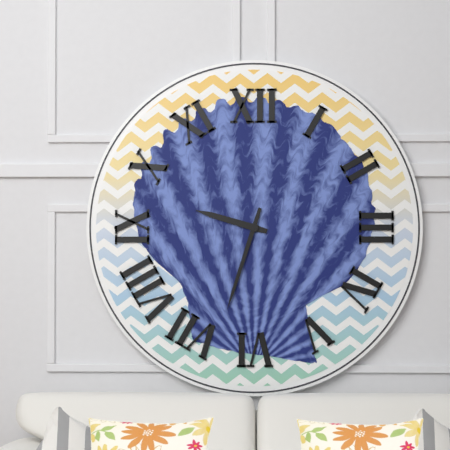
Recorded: 9.33
